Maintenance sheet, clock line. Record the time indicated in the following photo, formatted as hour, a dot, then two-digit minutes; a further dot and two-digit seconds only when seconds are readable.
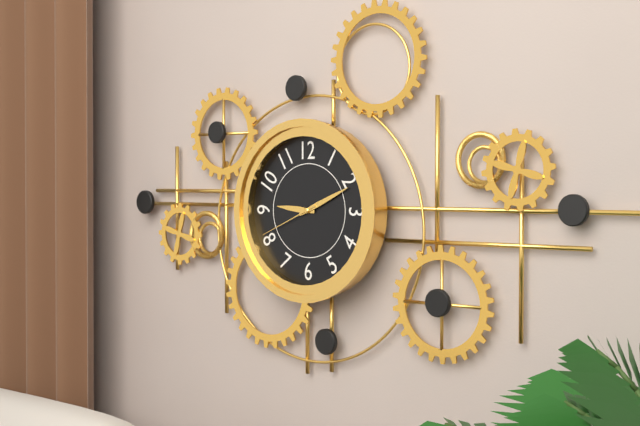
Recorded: 9.11.41
